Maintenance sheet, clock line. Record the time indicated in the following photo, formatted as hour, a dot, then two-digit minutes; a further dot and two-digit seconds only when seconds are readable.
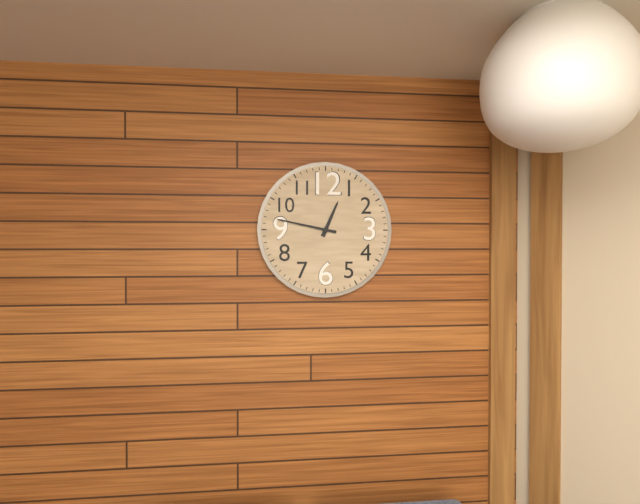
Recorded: 12.47
